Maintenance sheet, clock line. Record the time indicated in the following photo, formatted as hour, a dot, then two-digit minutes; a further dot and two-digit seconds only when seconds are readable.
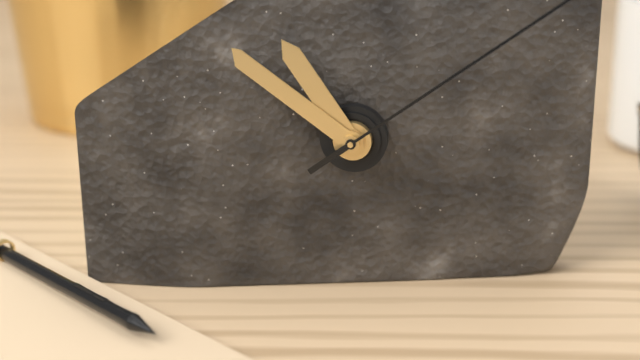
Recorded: 10.51
